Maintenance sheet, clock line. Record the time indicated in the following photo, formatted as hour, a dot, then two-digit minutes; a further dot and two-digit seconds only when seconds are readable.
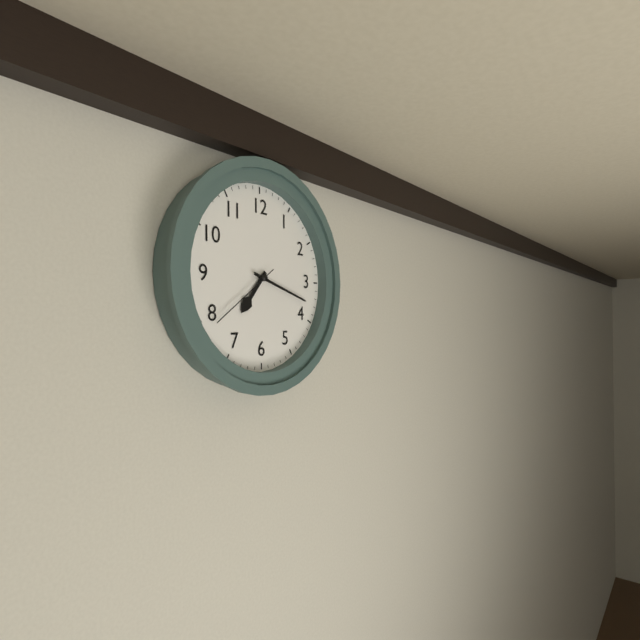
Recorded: 7.18.39
